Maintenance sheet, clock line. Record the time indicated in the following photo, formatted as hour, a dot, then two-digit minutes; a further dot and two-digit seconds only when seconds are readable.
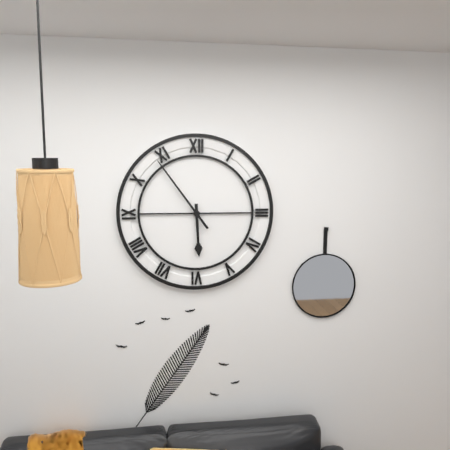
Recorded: 5.54
